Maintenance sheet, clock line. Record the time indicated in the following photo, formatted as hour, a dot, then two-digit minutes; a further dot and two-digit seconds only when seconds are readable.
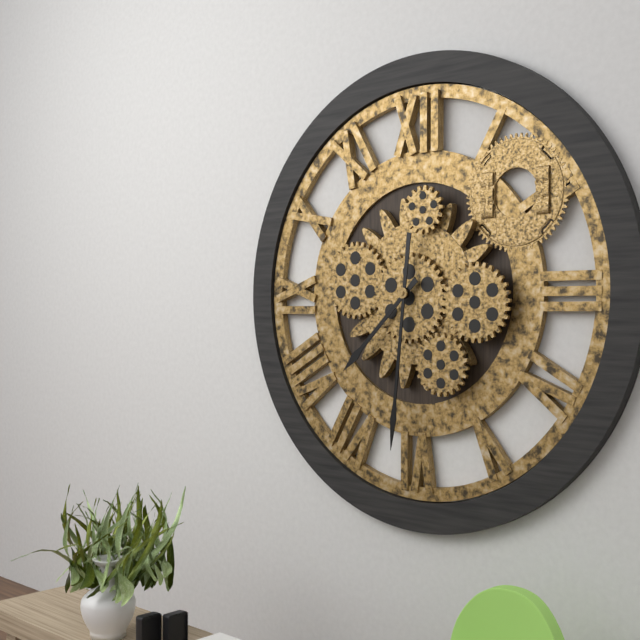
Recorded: 7.31
